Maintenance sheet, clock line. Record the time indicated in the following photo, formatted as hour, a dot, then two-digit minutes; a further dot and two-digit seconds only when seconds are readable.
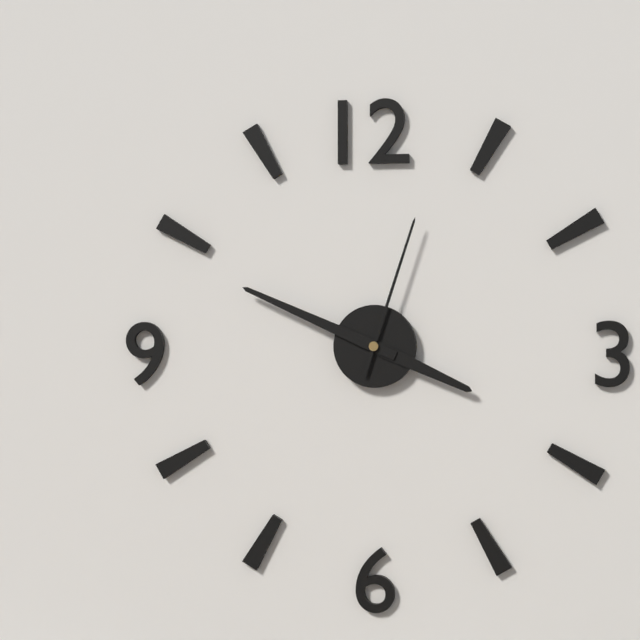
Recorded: 3.49.03
